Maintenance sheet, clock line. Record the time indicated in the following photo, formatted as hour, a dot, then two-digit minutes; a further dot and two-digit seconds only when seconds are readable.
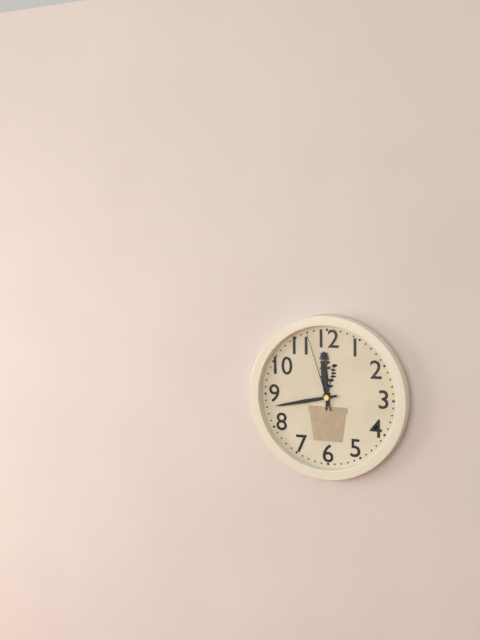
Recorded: 11.43.57
